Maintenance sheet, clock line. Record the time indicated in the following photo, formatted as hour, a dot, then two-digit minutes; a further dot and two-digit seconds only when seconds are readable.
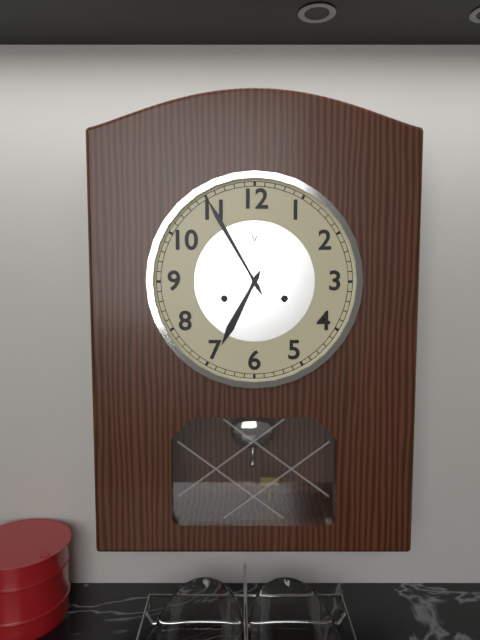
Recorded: 6.55
